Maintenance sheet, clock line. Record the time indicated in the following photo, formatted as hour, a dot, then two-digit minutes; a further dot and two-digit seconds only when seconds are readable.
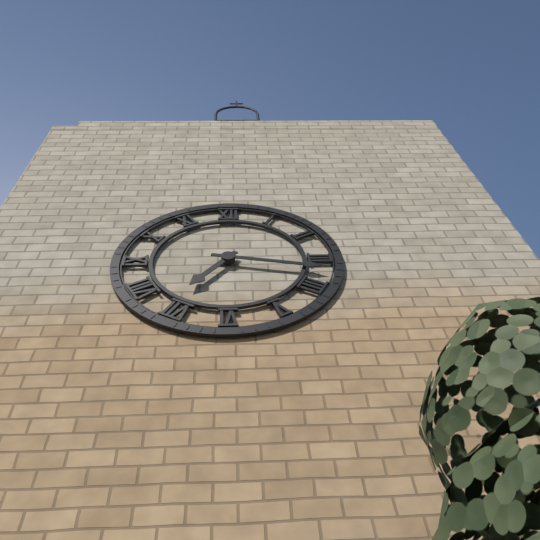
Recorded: 7.17
